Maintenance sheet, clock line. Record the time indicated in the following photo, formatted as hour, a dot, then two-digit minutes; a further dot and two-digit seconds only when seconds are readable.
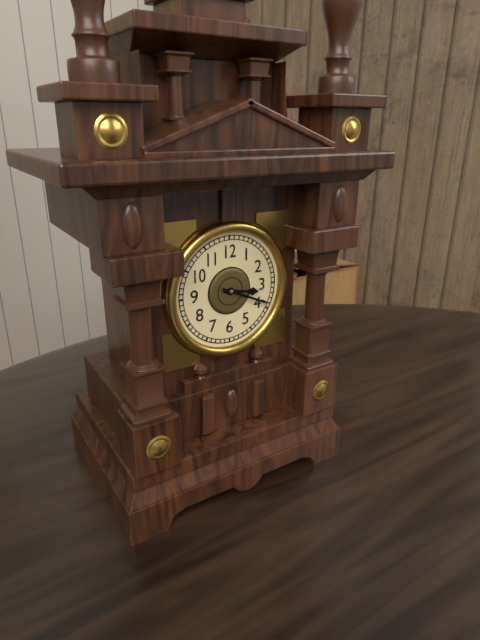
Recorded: 3.19
